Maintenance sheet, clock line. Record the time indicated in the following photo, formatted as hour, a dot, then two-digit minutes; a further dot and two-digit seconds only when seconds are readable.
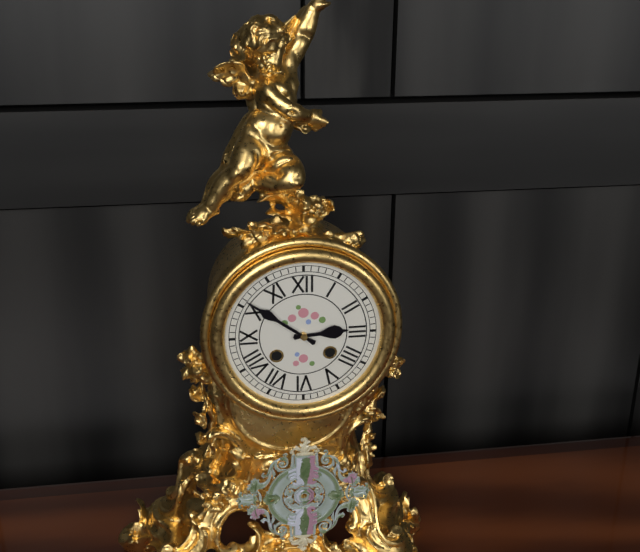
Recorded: 2.51
